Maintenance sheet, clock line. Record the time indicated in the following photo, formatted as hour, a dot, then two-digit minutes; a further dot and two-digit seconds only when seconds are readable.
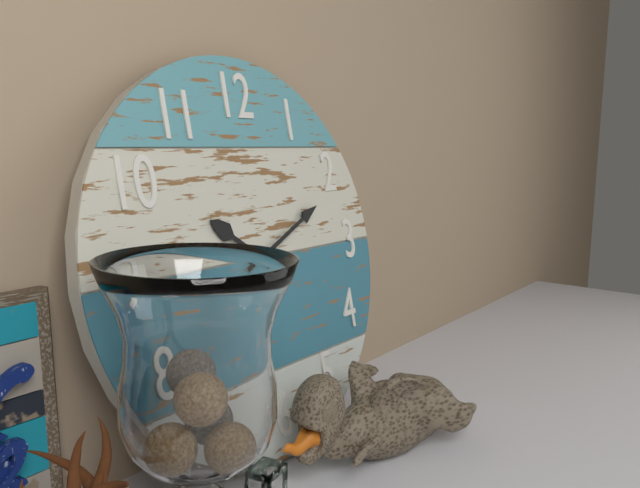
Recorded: 10.11
